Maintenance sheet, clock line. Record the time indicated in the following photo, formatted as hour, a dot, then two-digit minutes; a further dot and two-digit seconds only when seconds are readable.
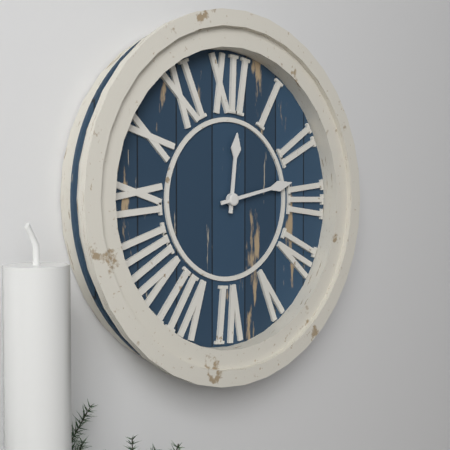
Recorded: 12.13
